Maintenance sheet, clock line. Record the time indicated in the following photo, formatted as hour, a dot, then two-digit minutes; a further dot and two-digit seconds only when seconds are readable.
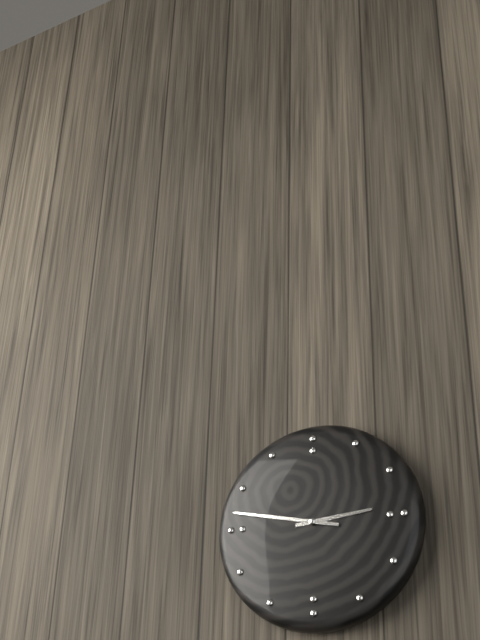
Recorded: 2.47
